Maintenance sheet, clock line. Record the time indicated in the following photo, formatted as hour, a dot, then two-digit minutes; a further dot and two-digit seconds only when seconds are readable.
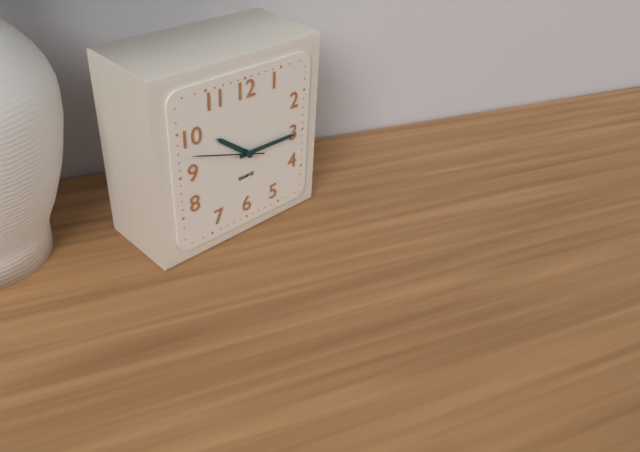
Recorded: 10.15.48
